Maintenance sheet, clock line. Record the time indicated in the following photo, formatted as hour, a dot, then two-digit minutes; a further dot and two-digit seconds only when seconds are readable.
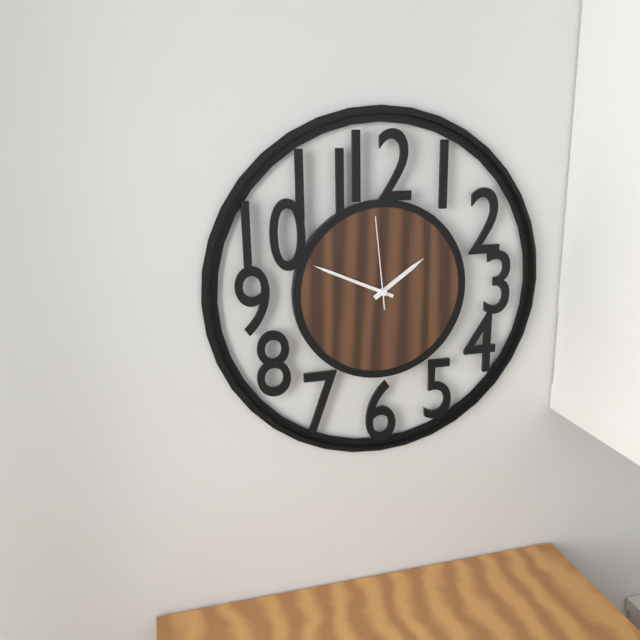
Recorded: 1.49.59
